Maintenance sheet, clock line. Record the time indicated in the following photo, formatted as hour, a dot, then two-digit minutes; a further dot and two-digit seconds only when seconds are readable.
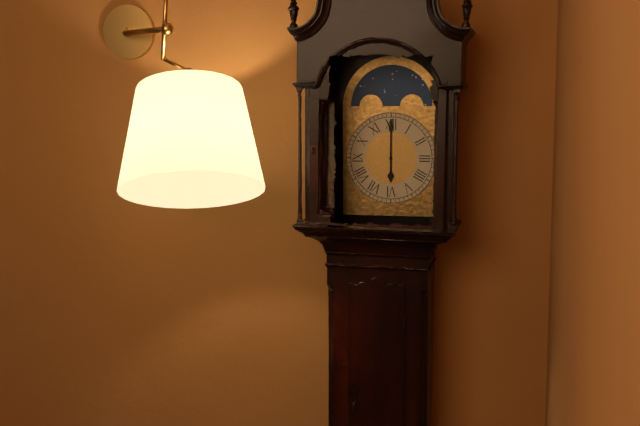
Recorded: 6.00
